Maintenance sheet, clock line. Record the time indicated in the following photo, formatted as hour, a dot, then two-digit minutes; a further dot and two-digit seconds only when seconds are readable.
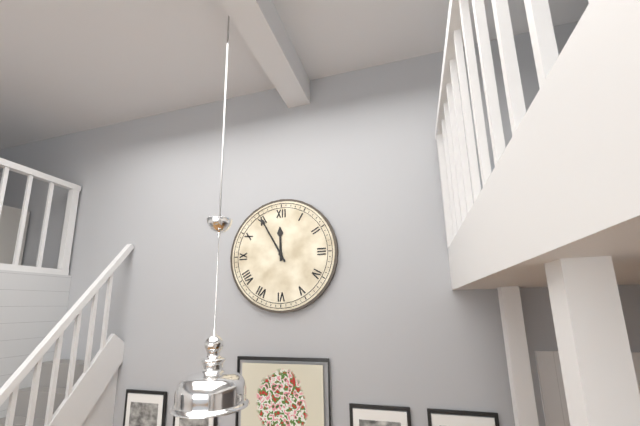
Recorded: 11.55
